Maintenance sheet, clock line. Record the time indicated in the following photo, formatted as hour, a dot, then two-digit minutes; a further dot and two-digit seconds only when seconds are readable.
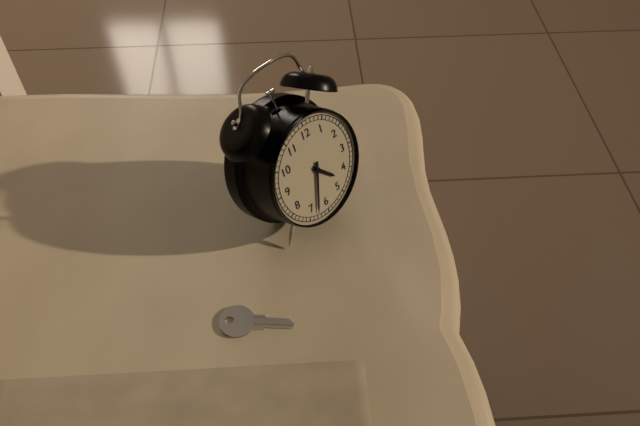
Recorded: 4.33
